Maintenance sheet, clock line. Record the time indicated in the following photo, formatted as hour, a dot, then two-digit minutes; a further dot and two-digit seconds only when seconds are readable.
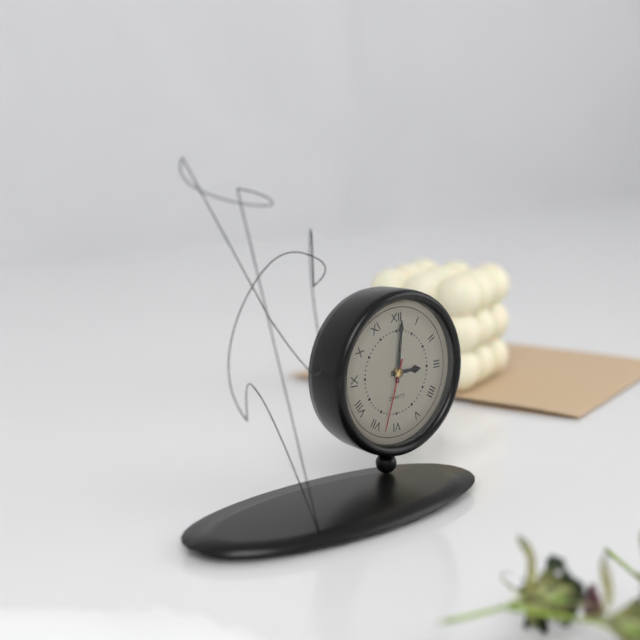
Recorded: 3.01.33
